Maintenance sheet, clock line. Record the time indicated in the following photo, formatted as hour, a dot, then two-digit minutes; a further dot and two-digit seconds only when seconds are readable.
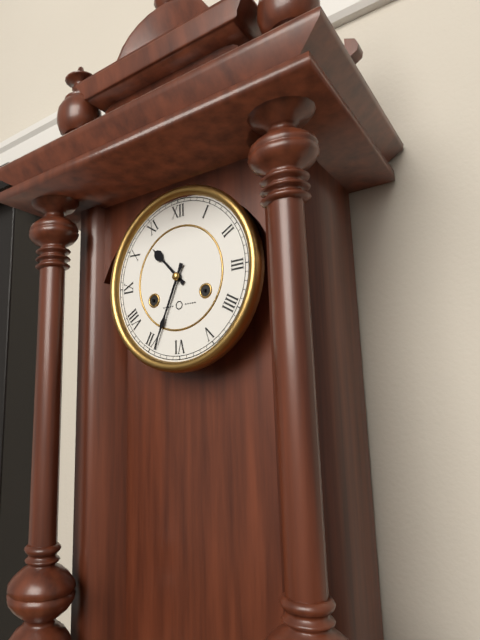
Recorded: 10.34
